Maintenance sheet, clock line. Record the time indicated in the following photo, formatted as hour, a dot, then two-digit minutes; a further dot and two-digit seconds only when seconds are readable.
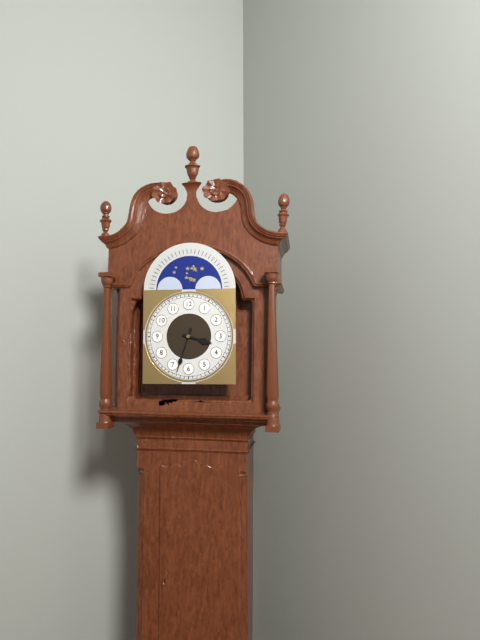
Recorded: 3.33
